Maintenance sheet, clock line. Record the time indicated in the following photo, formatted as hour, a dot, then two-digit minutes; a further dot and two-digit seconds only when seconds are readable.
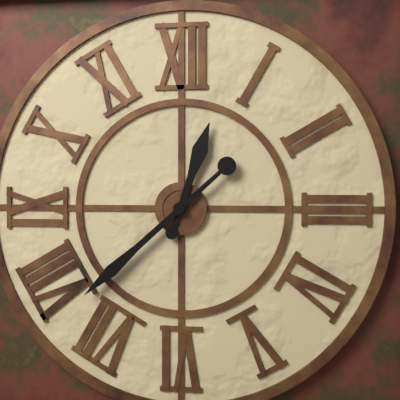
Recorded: 12.38
